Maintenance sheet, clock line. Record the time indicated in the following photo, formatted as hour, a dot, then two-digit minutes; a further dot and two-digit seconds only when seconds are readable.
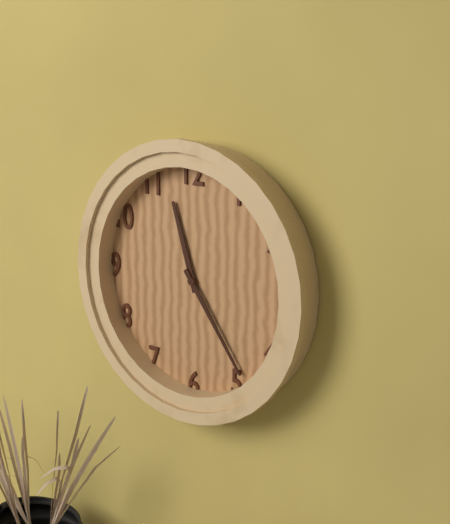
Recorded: 11.24
